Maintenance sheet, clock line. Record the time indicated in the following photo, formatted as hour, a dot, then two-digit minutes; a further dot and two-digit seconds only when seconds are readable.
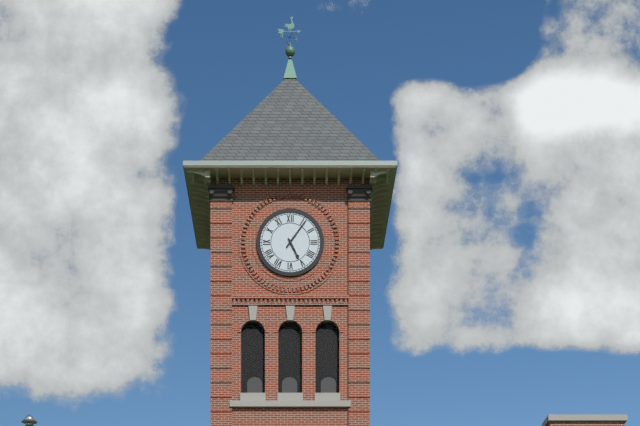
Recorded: 5.06
